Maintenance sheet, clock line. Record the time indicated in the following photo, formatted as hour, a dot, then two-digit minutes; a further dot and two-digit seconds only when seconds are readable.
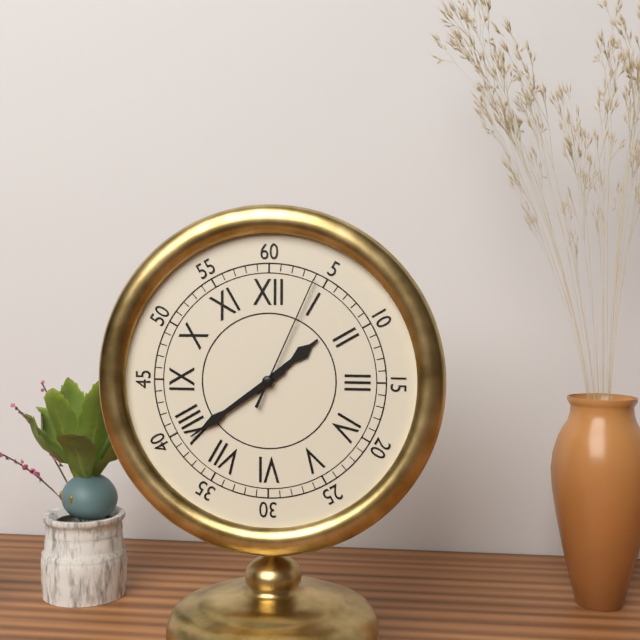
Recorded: 1.39.04
